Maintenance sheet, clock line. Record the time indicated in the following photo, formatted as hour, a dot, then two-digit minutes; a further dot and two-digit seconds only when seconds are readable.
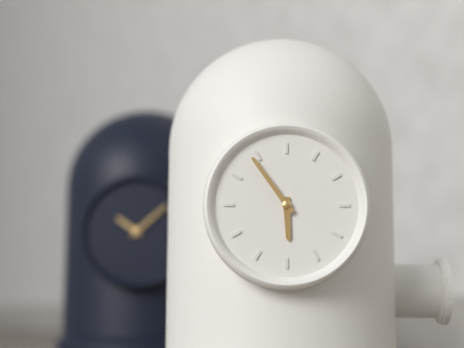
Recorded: 5.54
